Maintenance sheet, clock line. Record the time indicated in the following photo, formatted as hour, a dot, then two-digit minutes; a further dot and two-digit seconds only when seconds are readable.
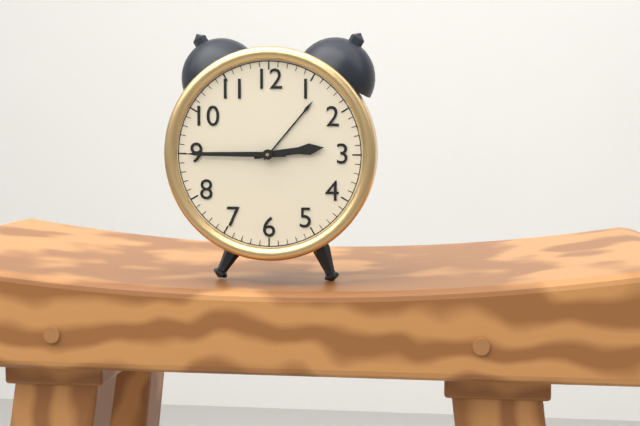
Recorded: 2.45
